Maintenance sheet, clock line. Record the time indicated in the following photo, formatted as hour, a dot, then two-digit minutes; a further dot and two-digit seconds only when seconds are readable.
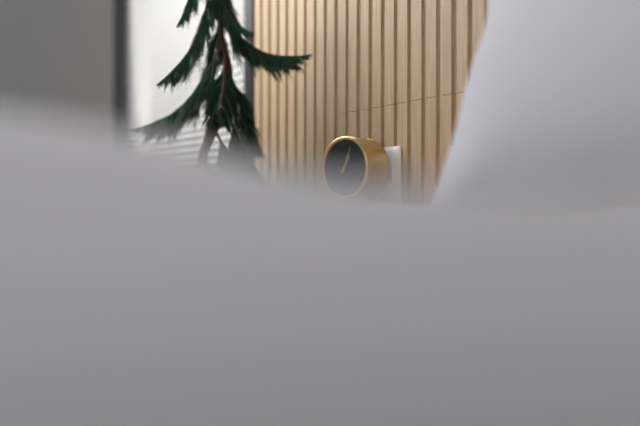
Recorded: 1.04
